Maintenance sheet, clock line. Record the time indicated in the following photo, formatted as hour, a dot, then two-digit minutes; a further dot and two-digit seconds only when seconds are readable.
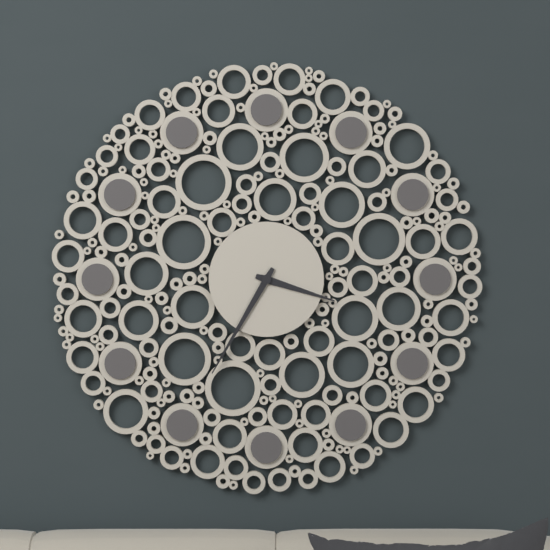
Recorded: 3.35
